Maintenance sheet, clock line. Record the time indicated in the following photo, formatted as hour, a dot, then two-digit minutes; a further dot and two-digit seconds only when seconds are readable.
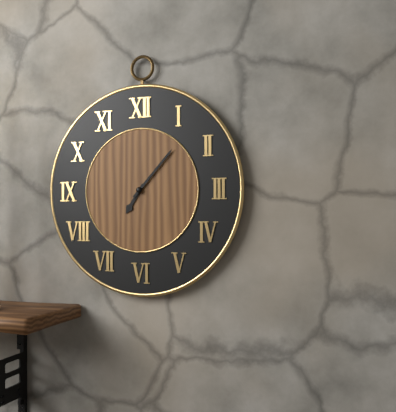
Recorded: 7.07
